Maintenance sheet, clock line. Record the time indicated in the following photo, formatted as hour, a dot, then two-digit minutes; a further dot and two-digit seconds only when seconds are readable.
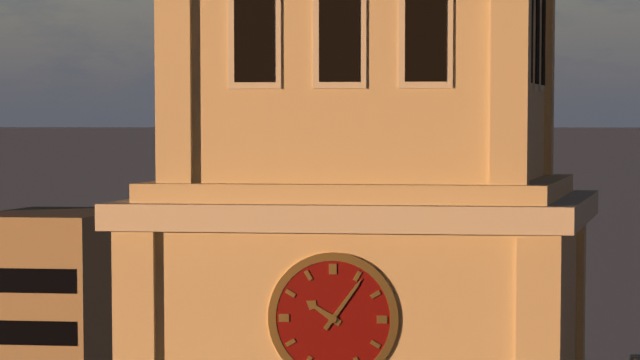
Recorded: 10.06
